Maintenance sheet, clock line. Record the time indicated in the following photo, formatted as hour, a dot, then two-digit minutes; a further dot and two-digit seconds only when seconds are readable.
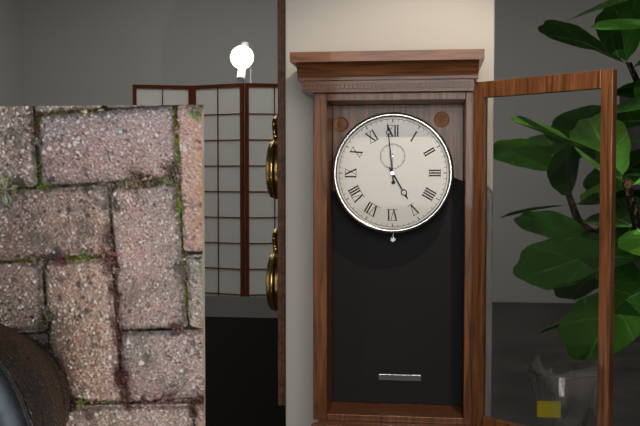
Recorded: 4.59
